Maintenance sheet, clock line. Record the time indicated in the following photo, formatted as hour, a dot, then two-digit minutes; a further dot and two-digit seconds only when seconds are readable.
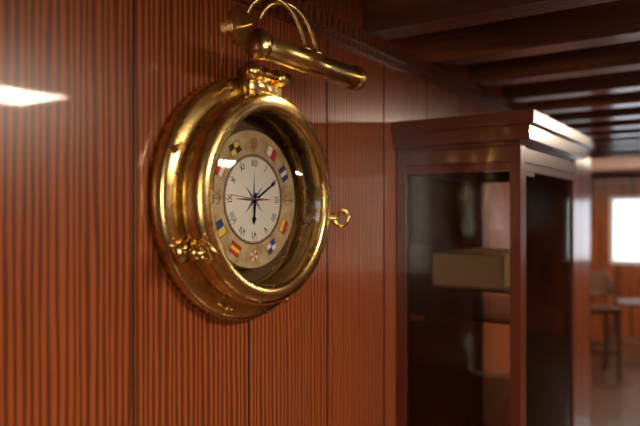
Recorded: 6.10
